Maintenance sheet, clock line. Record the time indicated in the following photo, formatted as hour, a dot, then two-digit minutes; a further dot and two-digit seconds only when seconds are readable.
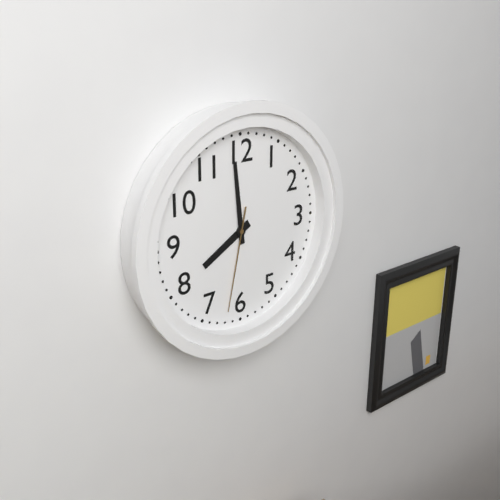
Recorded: 7.59.32
